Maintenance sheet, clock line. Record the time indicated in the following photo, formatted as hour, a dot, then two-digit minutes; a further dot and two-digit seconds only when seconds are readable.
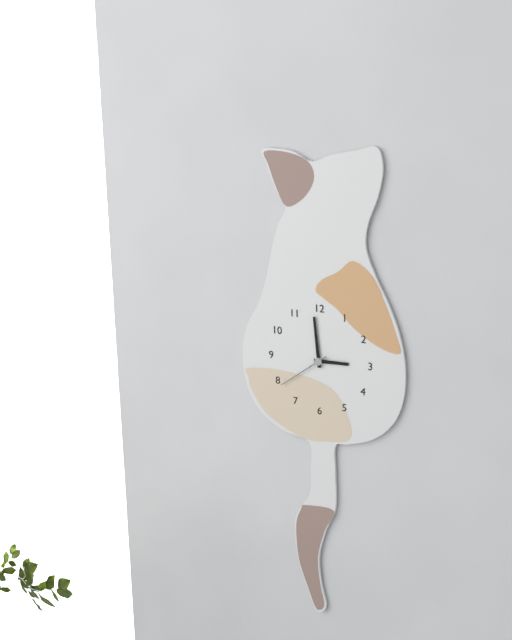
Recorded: 2.59.39
